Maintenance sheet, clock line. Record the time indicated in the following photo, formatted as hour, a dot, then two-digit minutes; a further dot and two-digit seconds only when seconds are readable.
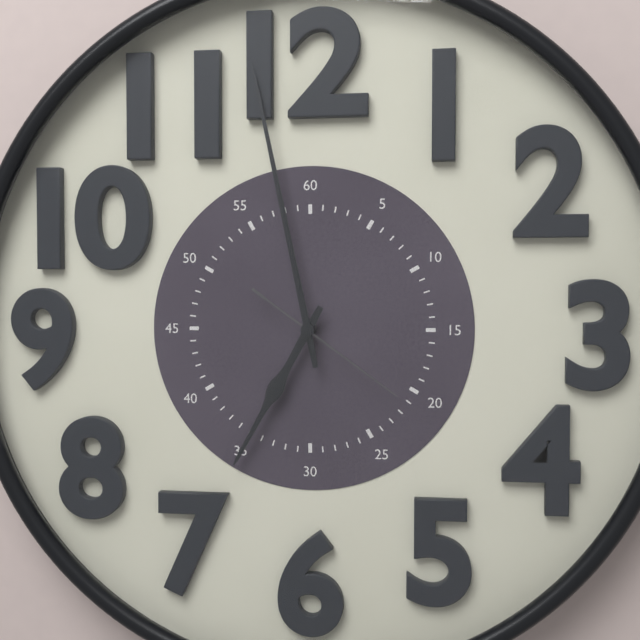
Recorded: 6.58.21
